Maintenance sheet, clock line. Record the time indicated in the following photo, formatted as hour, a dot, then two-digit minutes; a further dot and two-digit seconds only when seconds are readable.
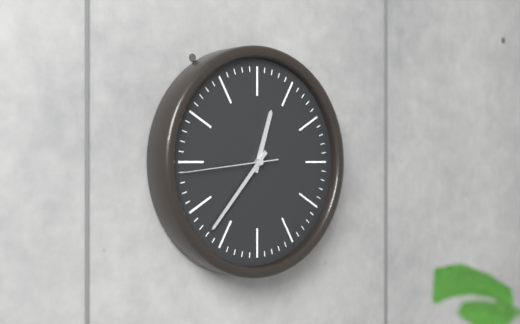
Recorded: 12.37.44
